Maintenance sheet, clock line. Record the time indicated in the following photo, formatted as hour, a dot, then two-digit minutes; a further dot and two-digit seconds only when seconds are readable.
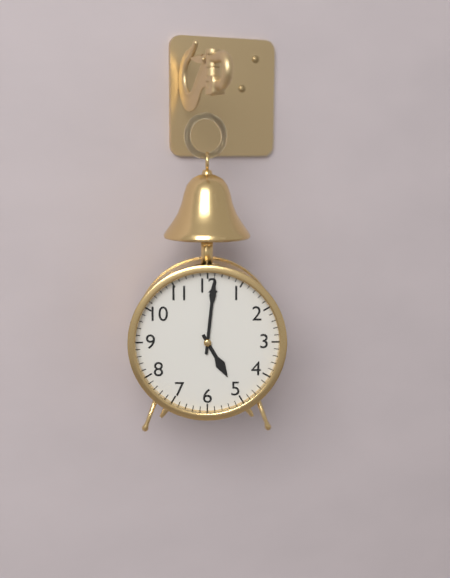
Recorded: 5.01
